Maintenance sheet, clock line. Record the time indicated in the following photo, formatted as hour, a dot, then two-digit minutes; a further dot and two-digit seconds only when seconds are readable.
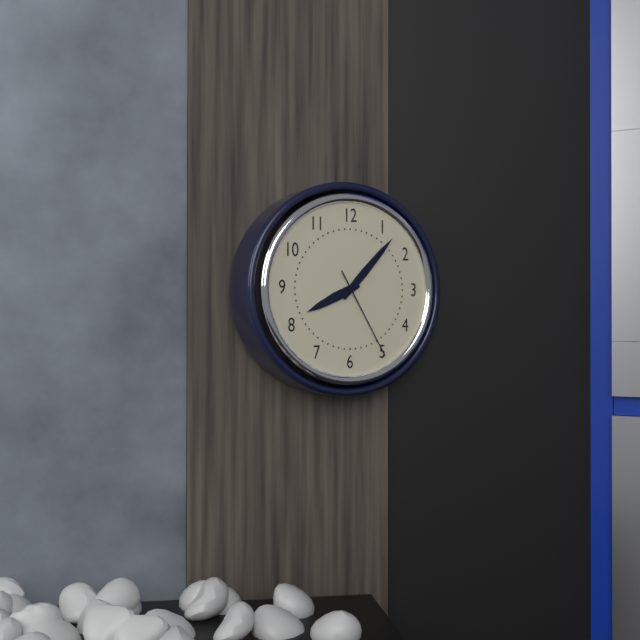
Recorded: 8.07.25
